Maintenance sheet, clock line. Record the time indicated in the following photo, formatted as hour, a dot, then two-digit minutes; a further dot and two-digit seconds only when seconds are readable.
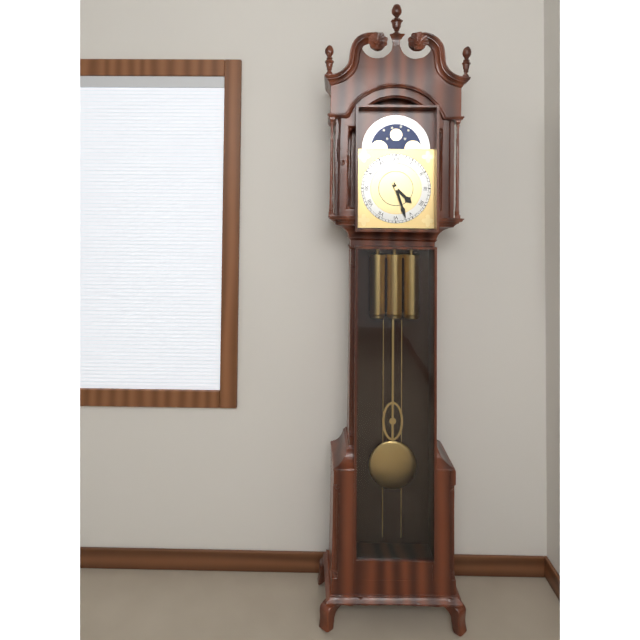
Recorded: 4.27
